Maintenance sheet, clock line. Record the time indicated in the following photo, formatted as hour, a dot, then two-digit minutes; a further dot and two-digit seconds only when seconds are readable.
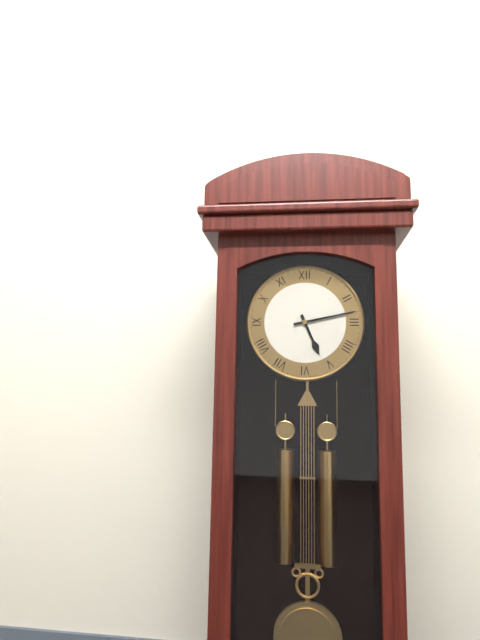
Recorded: 5.13
